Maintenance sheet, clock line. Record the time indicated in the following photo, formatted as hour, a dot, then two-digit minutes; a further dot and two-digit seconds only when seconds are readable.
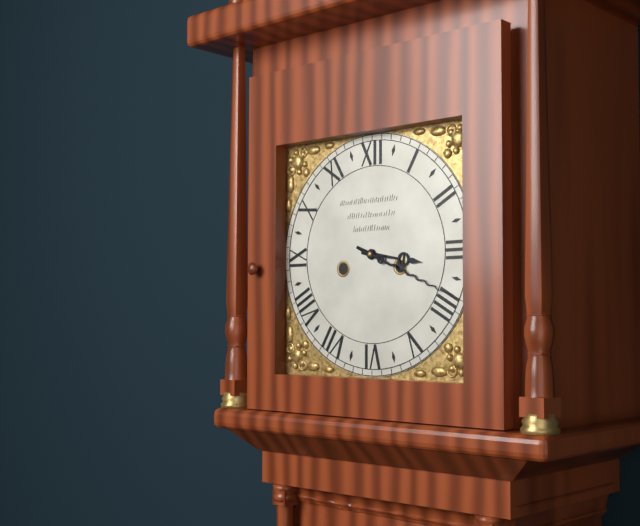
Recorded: 3.19
